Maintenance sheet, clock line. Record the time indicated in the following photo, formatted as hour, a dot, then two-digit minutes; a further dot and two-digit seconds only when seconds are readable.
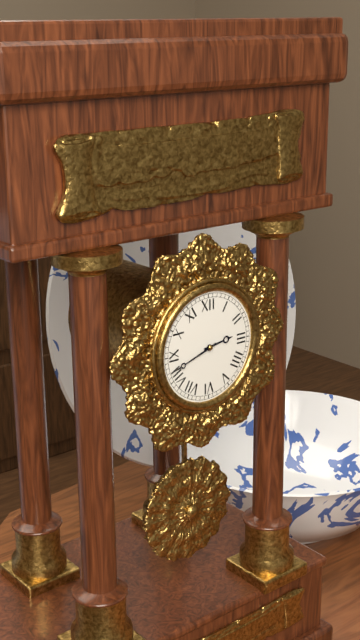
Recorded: 2.42
